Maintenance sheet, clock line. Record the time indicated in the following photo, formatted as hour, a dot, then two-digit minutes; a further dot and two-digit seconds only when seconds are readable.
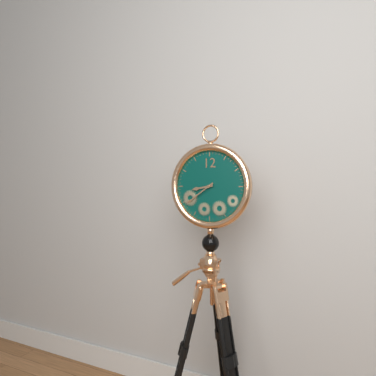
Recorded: 8.39
